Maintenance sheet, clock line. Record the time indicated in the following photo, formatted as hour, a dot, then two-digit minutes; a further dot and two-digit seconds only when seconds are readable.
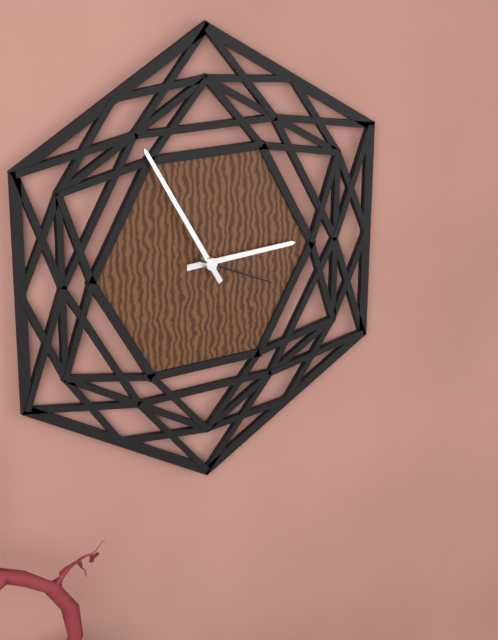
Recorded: 2.55.19
